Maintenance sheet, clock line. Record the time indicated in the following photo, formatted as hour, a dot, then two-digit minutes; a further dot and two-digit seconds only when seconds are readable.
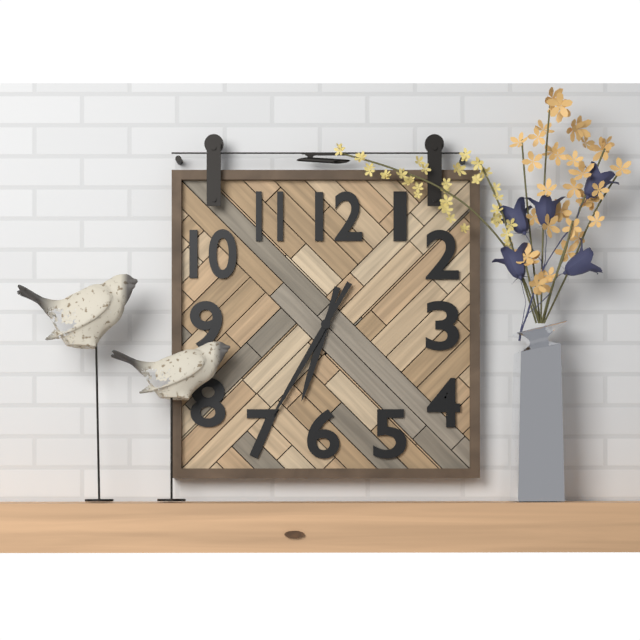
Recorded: 6.35
